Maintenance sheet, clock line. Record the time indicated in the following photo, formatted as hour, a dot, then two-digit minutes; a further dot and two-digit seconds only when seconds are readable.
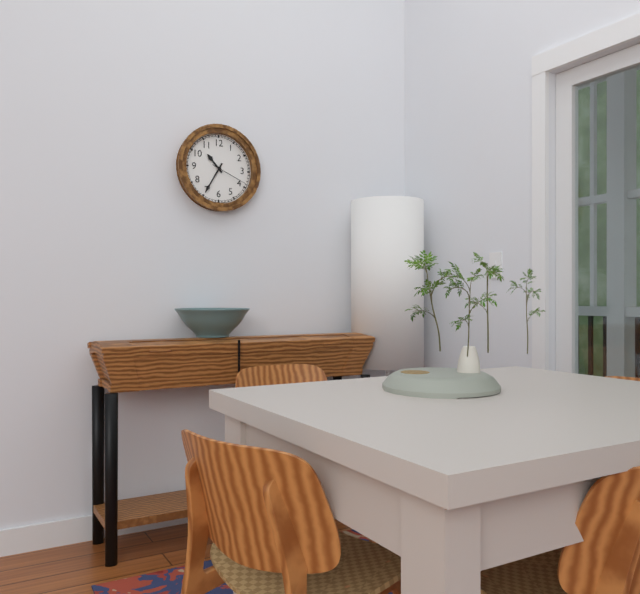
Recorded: 10.35
